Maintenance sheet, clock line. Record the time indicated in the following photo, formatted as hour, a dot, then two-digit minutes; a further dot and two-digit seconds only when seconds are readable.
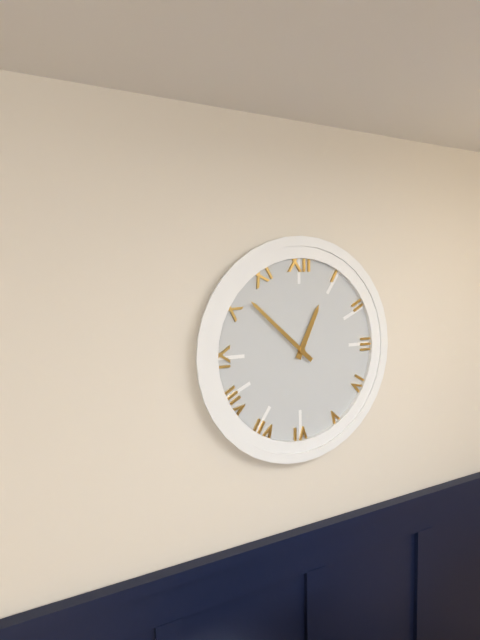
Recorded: 12.52
